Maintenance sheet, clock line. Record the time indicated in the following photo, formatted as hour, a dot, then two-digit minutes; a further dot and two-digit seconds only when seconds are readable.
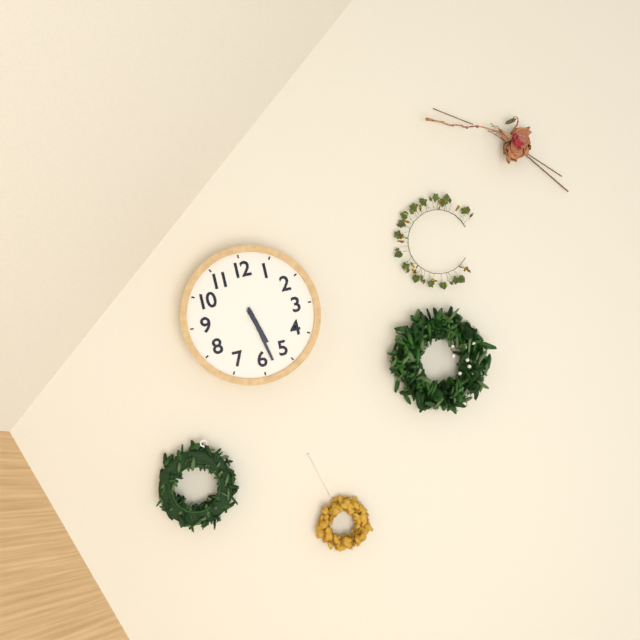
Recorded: 5.28
